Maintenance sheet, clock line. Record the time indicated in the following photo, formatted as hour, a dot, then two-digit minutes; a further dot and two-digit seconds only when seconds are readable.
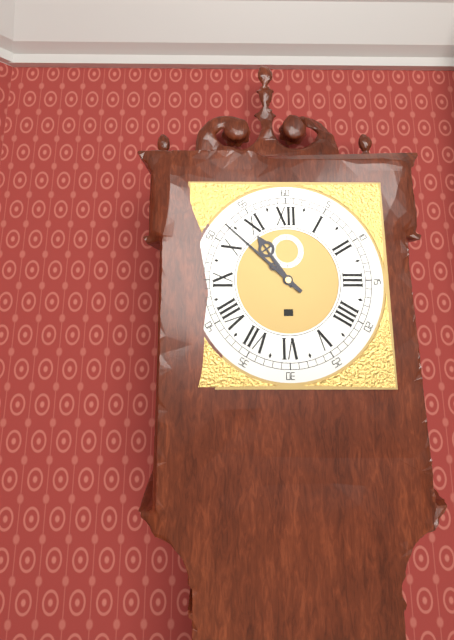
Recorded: 10.52
